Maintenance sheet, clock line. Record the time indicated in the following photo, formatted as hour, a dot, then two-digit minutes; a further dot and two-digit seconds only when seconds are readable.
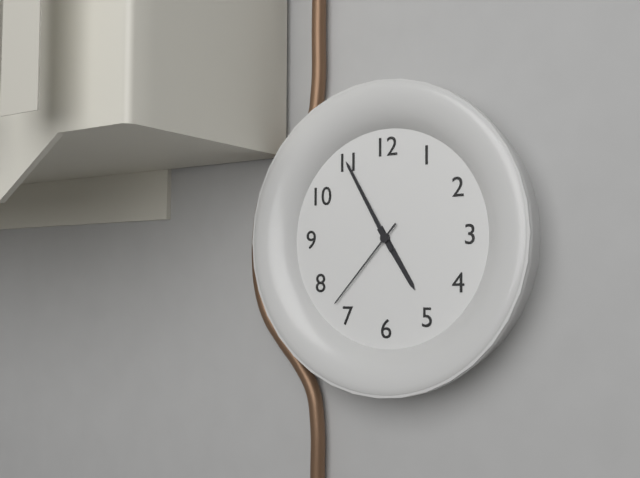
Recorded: 4.55.37
